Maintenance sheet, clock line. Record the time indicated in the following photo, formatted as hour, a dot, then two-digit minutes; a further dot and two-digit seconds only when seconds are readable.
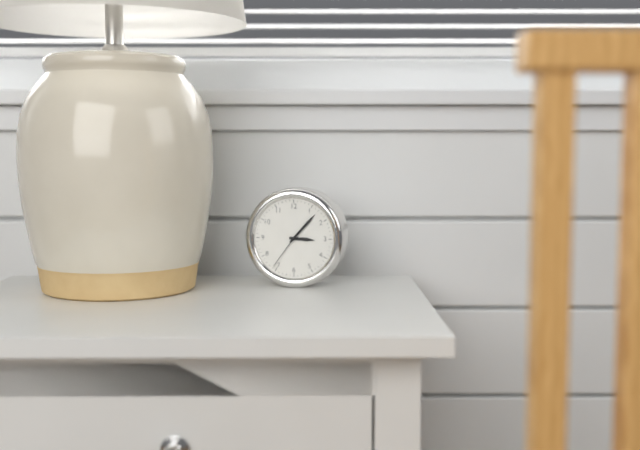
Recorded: 3.07
